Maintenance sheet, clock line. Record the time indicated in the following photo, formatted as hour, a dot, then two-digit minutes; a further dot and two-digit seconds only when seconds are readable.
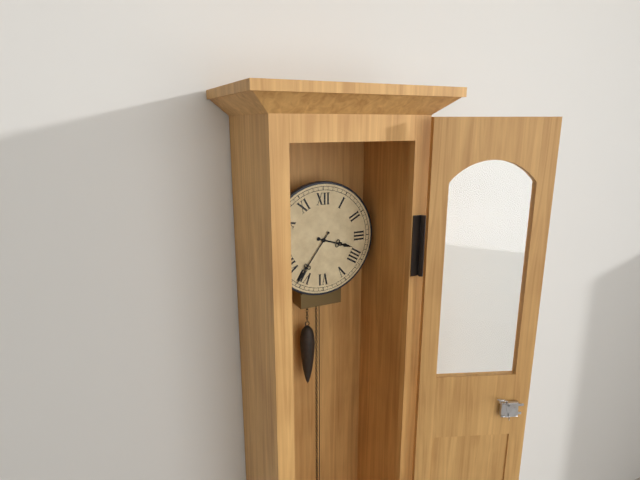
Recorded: 3.36
